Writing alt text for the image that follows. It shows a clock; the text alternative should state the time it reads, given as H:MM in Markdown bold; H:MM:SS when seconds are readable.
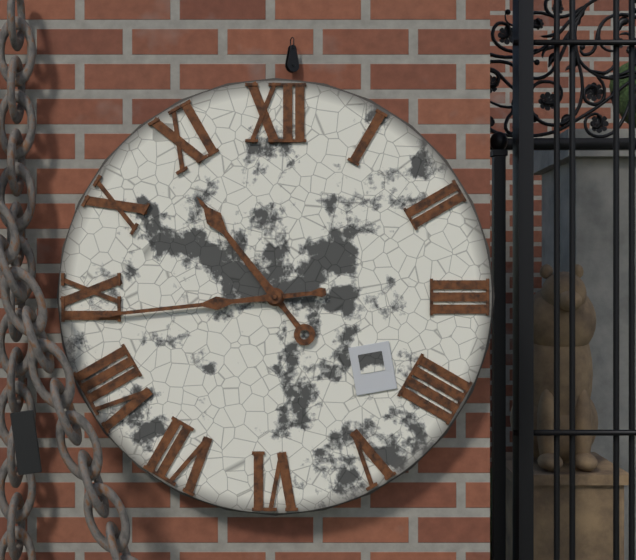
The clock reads **10:44**
